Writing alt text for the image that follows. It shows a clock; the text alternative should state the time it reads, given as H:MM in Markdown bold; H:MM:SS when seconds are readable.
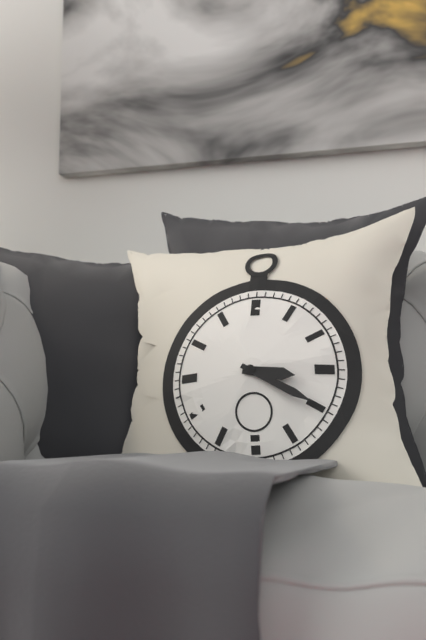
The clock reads **3:20**
